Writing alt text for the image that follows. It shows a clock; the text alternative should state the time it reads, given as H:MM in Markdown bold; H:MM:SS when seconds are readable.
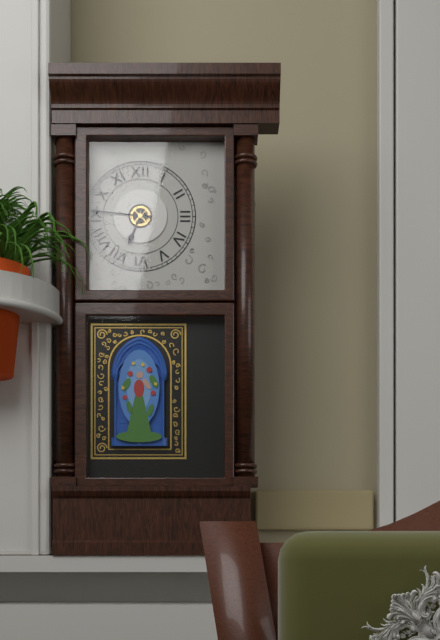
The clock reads **6:46**
